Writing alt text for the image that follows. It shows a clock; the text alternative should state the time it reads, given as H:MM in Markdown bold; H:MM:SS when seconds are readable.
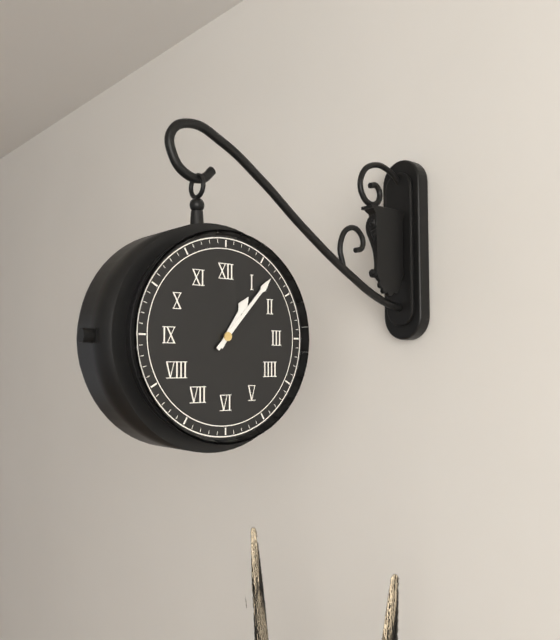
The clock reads **1:07**
